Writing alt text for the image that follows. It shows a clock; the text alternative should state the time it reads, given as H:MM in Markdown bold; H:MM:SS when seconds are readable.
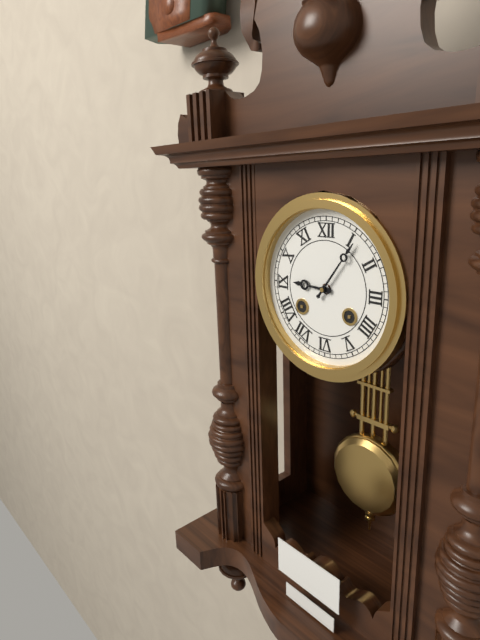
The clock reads **9:06**
